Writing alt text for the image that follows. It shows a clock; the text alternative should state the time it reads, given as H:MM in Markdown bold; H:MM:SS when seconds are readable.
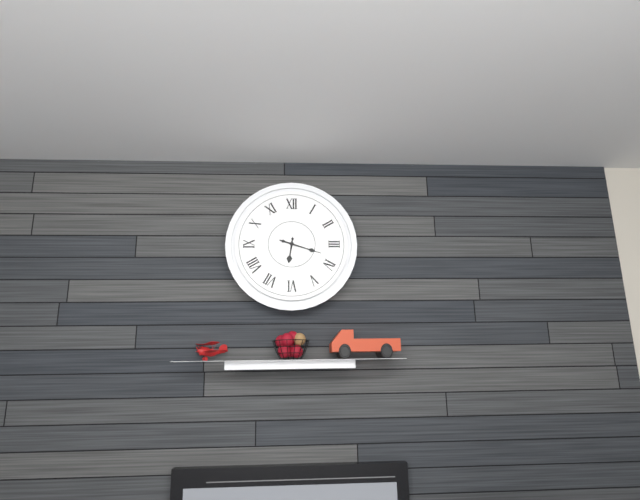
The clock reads **6:18**
